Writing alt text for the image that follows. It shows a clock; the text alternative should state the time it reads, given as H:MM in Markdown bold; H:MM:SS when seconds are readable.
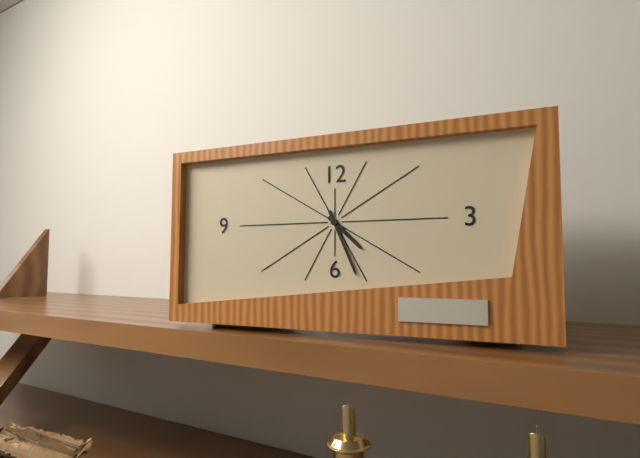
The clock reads **4:26**
